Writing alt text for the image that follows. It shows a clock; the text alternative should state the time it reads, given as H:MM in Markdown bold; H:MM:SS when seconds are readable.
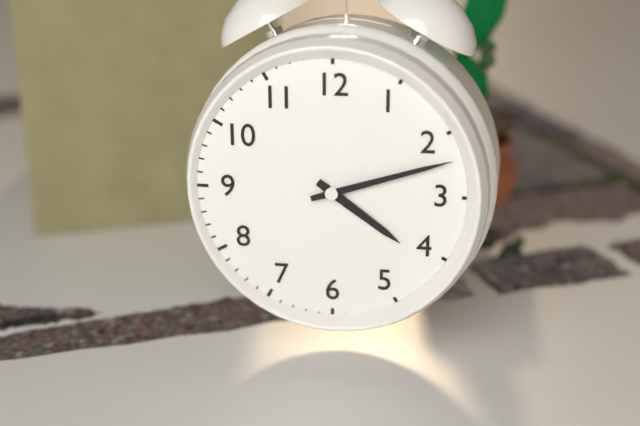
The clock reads **4:12**
